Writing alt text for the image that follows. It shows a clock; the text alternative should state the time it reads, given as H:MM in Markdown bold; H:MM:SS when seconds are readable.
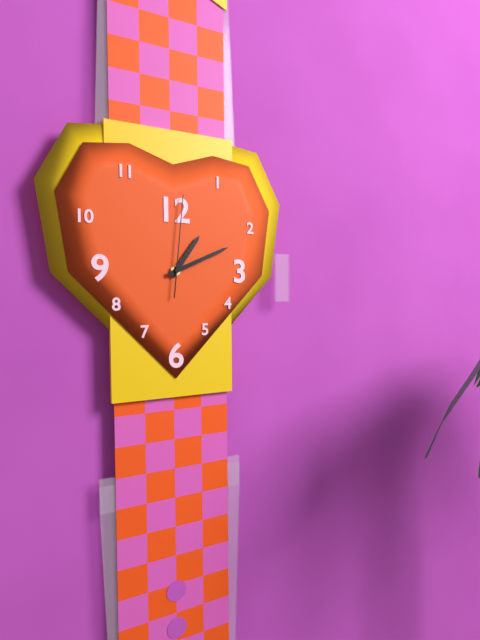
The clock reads **1:11:01**
